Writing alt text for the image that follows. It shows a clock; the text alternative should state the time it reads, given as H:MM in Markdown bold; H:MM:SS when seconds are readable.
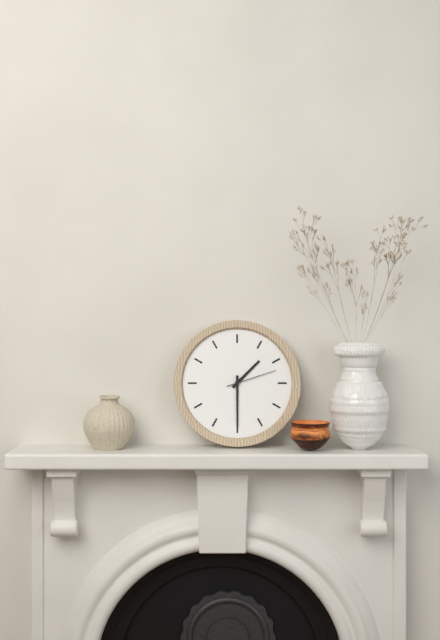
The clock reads **1:30:12**
